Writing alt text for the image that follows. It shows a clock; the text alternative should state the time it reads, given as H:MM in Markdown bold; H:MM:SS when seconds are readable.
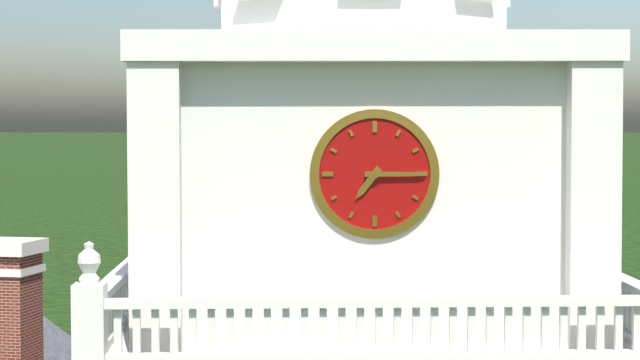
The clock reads **7:15**
